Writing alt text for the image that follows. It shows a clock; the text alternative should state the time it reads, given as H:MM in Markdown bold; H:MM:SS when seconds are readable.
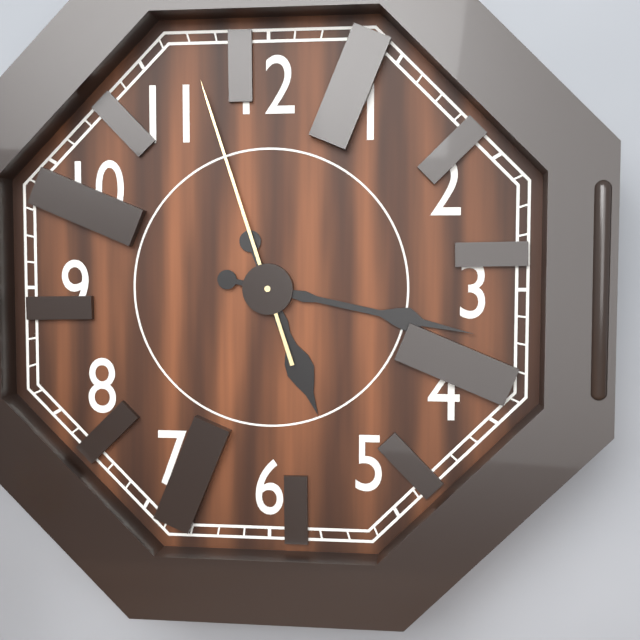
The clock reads **5:17:57**
